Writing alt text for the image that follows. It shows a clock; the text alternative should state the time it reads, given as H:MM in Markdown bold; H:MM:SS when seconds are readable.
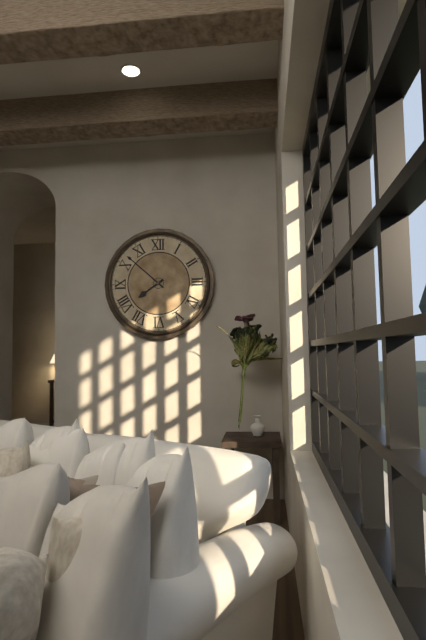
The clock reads **7:52**
